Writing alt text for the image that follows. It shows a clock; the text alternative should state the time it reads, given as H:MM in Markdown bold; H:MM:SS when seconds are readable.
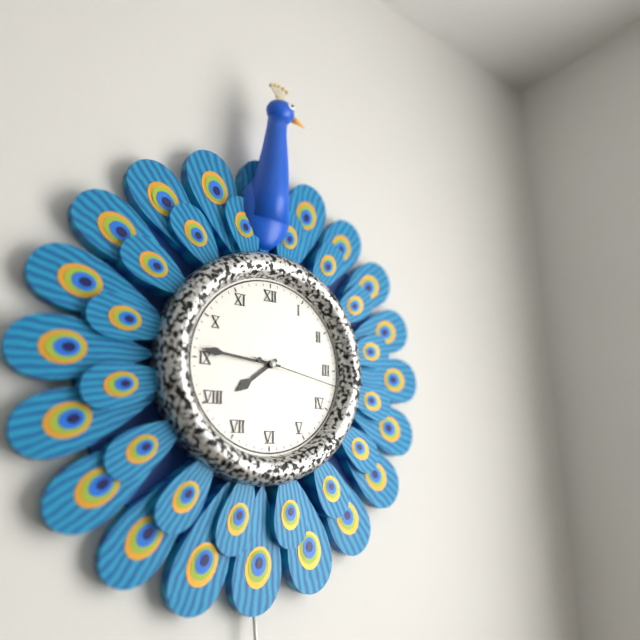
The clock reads **7:46:17**
